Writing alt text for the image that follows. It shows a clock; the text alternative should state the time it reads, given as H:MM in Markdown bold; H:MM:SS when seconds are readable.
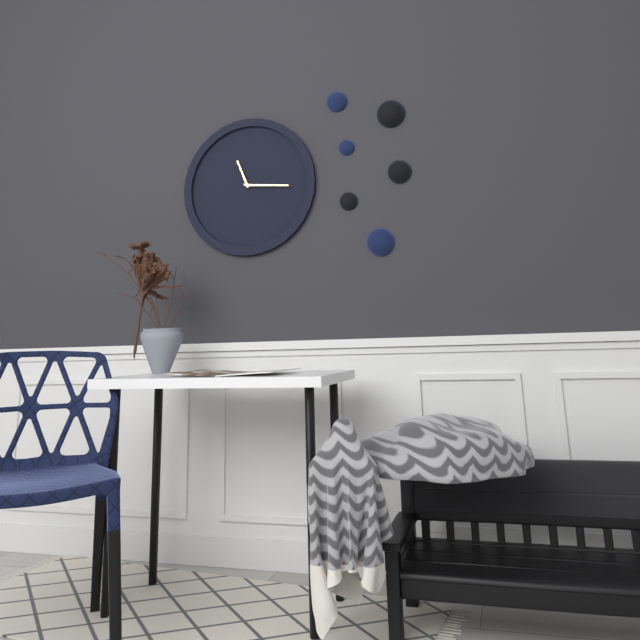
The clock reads **11:16**
